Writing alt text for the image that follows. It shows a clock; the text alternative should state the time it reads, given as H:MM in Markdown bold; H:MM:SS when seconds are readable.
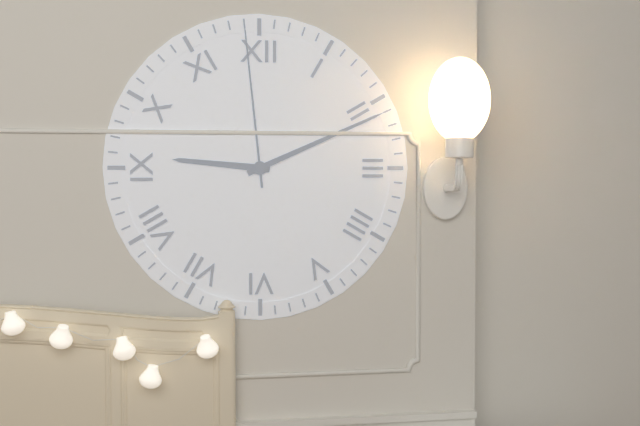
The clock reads **9:11:59**
